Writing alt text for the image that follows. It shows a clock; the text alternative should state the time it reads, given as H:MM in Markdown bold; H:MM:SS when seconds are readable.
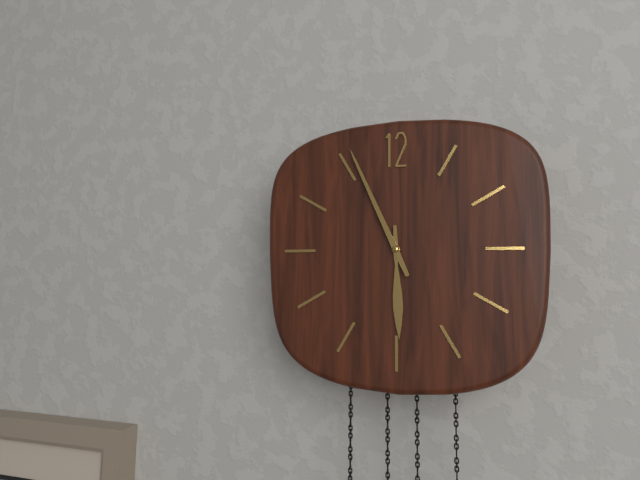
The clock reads **5:56**
